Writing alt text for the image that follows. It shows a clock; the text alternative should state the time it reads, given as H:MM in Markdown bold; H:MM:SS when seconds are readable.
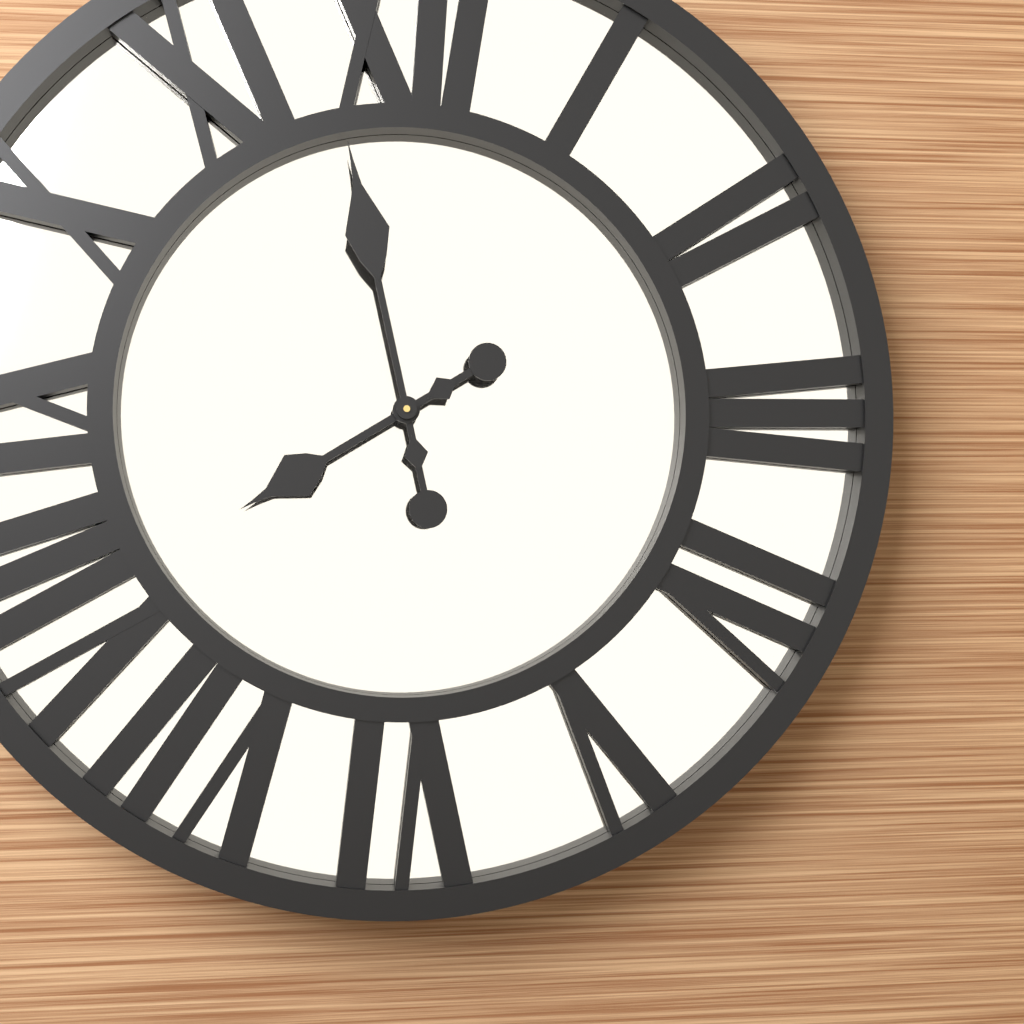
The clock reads **7:58**
